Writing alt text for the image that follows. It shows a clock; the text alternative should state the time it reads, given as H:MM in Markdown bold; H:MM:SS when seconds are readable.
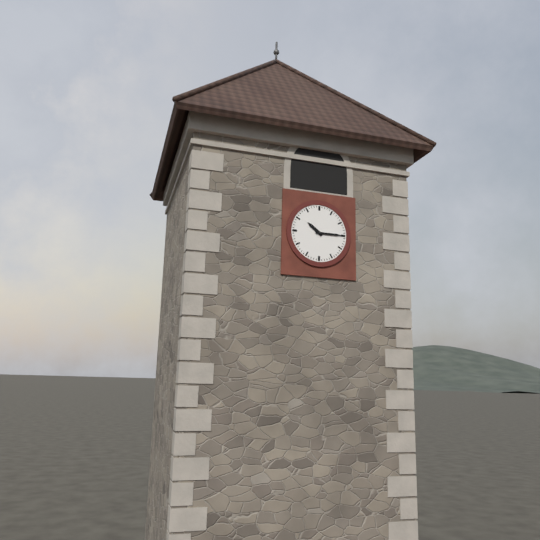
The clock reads **10:15**
